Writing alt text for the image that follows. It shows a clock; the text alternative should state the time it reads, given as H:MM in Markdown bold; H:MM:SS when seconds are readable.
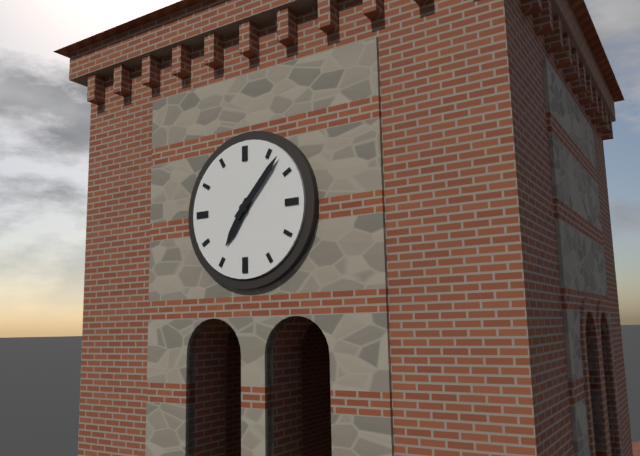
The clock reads **7:07**
